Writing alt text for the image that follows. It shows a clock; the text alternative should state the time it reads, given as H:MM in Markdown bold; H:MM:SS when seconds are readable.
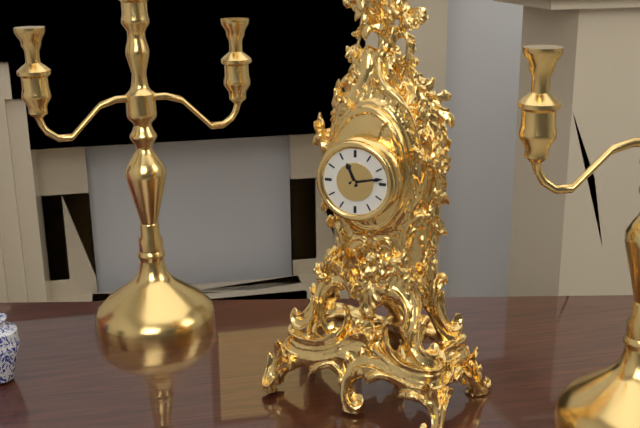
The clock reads **11:13**
